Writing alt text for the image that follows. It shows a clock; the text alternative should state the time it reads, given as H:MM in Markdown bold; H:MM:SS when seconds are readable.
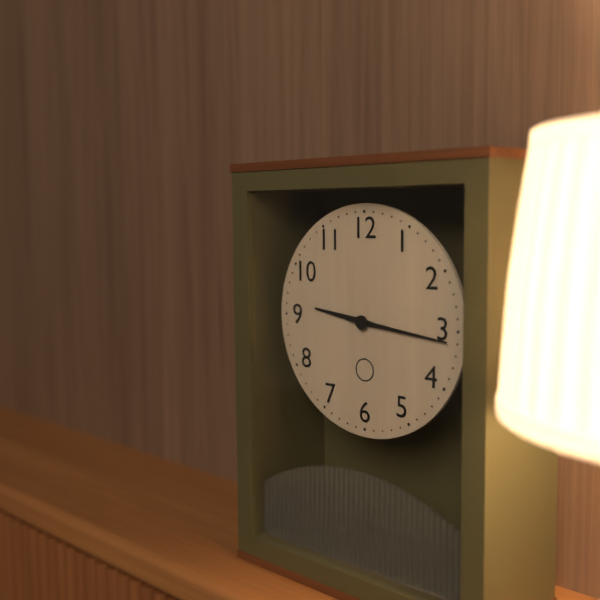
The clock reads **9:16**
